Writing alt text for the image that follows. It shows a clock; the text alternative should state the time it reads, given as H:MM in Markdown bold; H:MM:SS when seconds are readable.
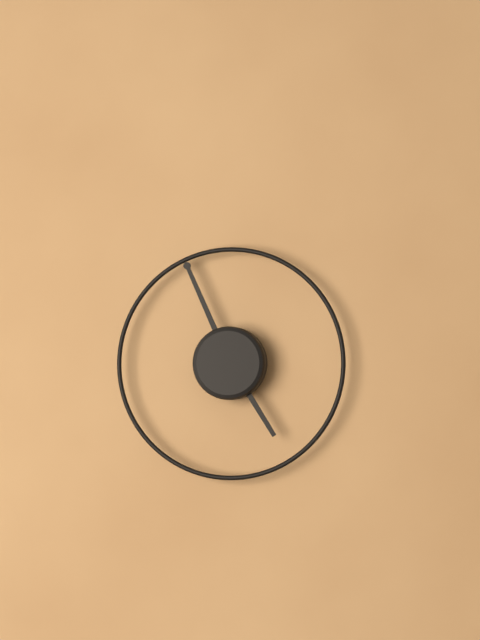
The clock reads **4:56**
